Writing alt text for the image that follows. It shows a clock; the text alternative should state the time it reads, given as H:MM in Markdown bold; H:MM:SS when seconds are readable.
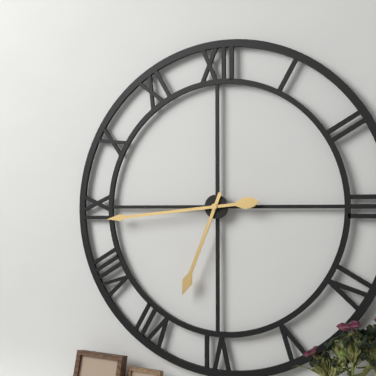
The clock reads **6:44**
